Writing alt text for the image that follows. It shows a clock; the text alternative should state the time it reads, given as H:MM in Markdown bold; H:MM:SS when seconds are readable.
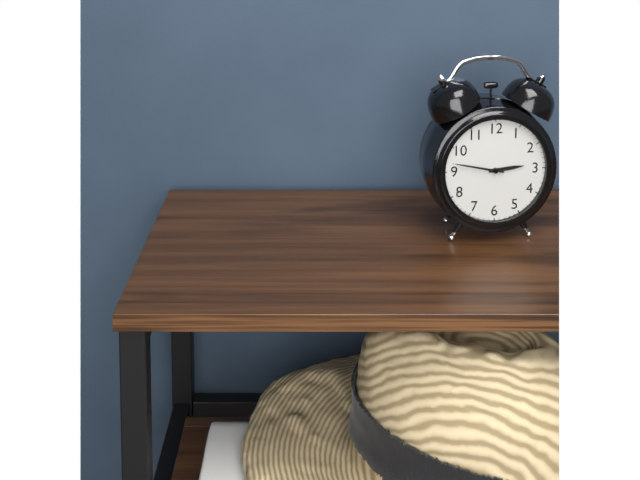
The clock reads **2:47**
